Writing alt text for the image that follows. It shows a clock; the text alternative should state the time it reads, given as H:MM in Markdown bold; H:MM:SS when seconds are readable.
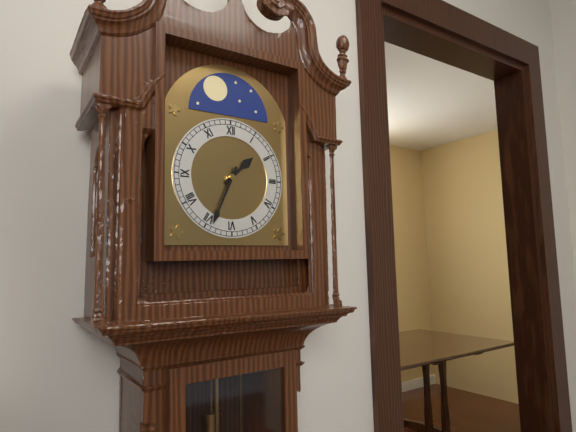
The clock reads **1:34**
